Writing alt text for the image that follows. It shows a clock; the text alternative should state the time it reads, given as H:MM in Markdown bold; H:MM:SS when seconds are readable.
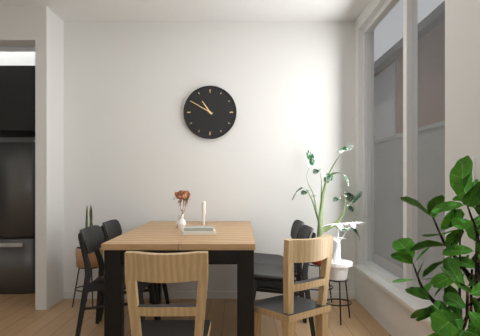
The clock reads **10:50**
